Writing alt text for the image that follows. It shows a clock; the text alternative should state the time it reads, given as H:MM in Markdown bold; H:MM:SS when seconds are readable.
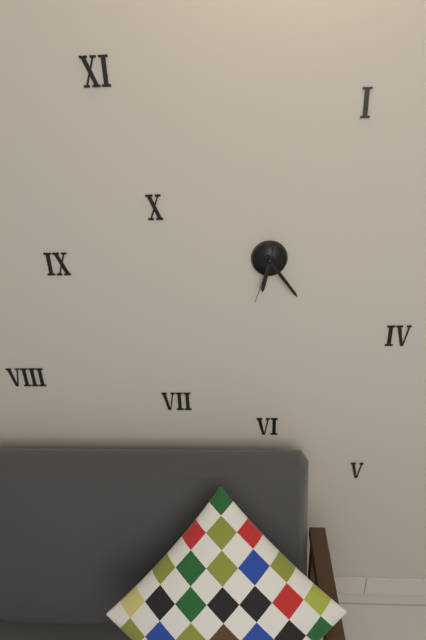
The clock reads **6:24:33**
